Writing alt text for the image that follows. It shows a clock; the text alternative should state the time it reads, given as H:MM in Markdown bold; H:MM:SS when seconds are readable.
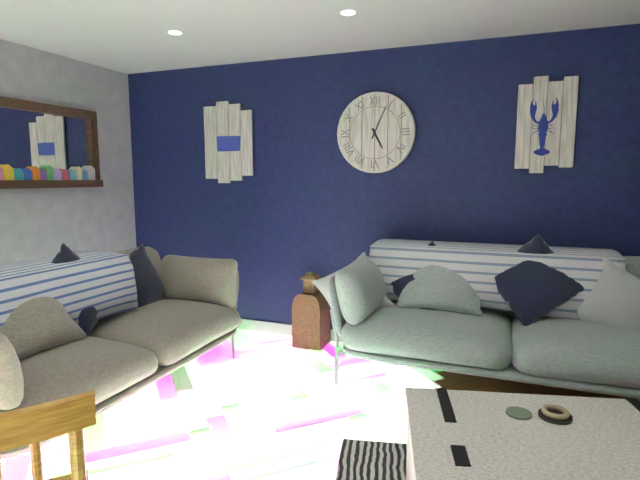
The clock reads **5:04**
